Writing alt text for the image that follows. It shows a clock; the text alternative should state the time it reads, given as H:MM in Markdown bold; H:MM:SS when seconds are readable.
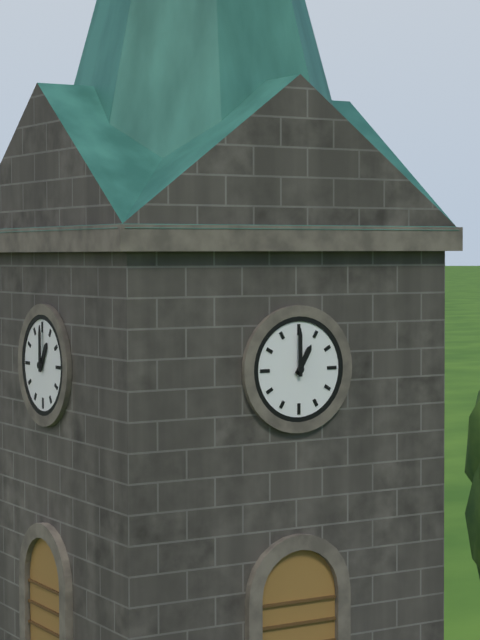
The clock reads **1:00**
